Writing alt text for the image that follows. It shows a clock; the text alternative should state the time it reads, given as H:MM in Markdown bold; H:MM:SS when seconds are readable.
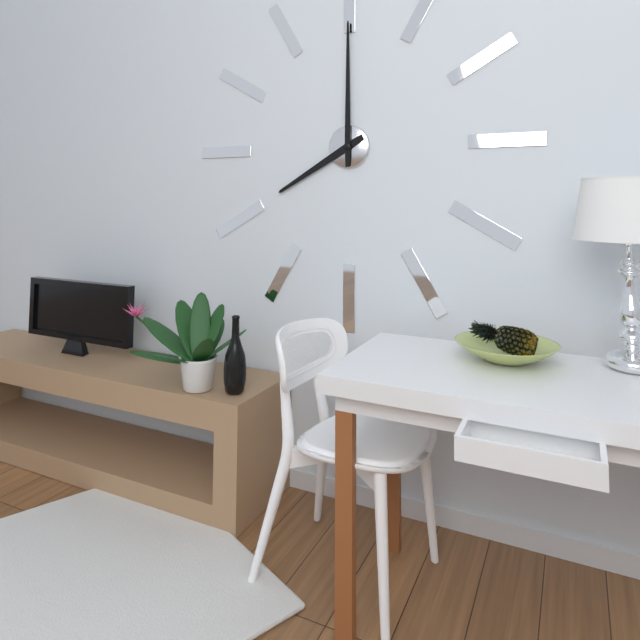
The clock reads **8:00**
